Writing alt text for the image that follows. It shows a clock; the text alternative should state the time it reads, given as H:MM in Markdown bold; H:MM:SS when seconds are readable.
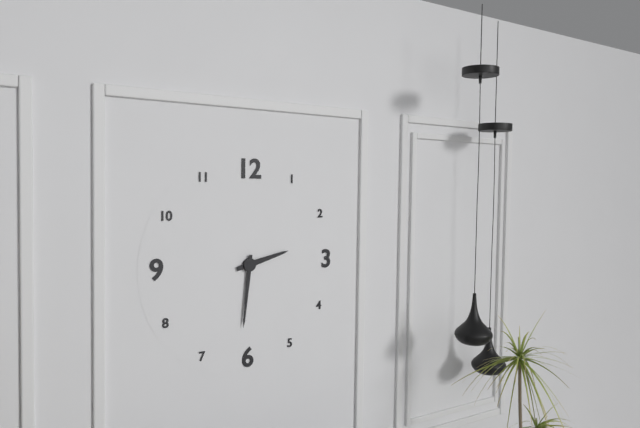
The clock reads **2:31**
